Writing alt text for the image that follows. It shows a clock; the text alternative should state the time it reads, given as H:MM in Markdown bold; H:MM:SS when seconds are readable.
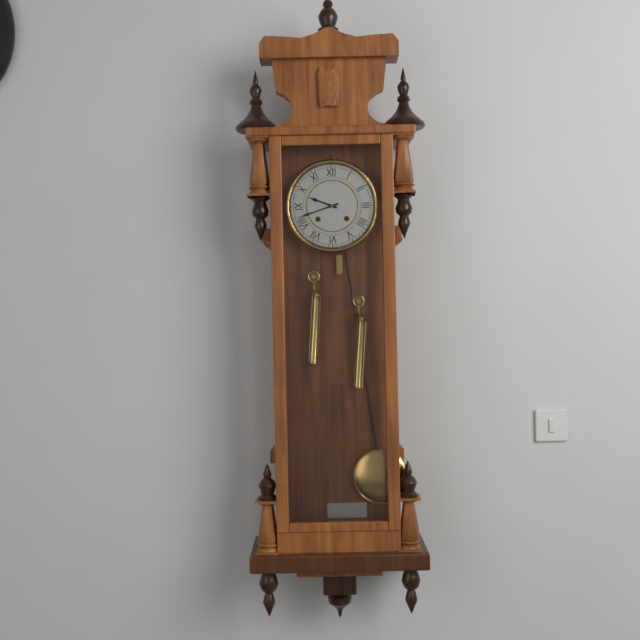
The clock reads **9:42**
